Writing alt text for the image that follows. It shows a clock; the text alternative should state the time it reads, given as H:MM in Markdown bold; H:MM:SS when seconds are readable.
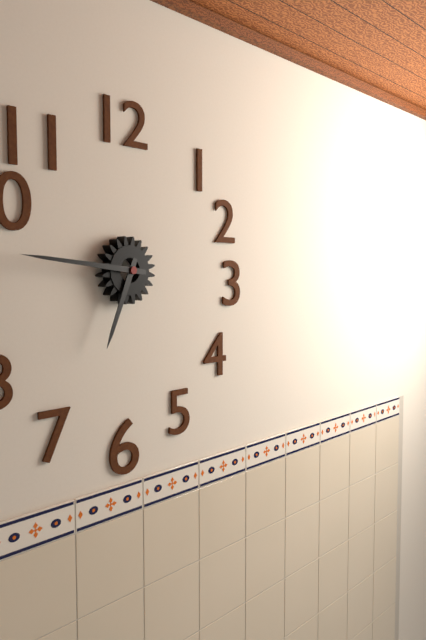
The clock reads **6:46**
